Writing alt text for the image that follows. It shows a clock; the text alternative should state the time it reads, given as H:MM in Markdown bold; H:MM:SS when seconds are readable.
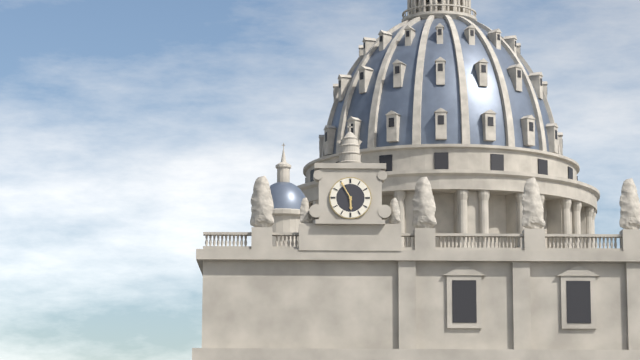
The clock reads **5:55**
